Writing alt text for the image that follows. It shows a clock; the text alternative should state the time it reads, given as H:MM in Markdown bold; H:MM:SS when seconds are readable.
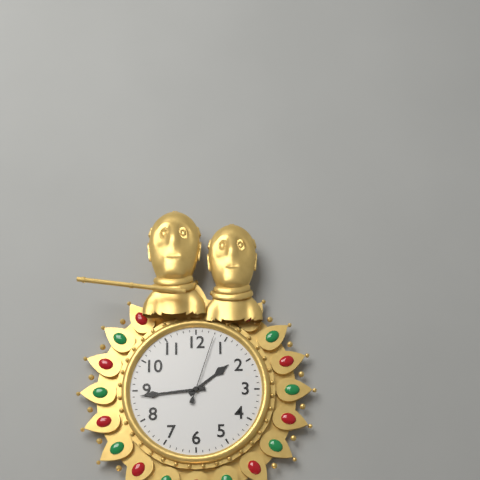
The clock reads **1:44:03**
